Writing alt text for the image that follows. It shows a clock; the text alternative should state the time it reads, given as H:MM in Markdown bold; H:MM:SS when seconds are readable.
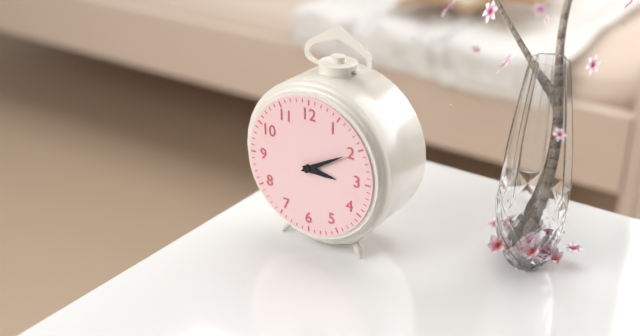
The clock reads **3:10**
